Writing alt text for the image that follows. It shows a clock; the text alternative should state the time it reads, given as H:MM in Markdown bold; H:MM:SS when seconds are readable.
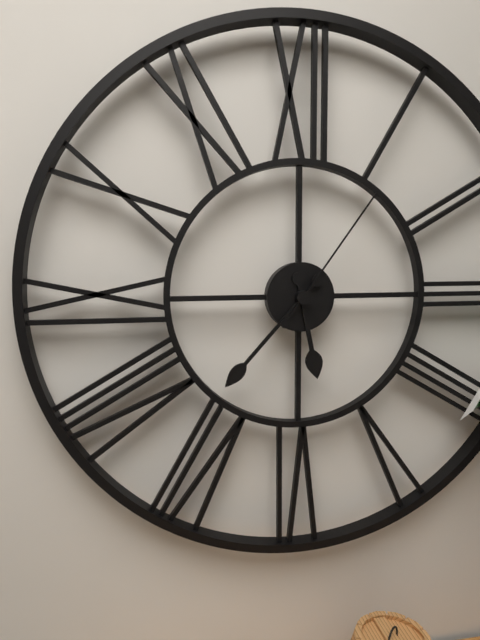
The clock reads **5:37:06**
